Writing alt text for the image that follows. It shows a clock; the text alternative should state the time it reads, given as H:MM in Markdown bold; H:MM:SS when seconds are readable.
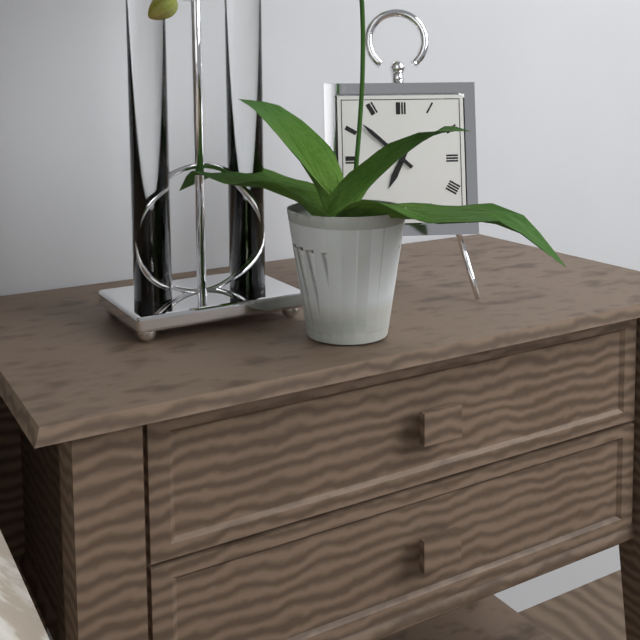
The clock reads **6:52**
